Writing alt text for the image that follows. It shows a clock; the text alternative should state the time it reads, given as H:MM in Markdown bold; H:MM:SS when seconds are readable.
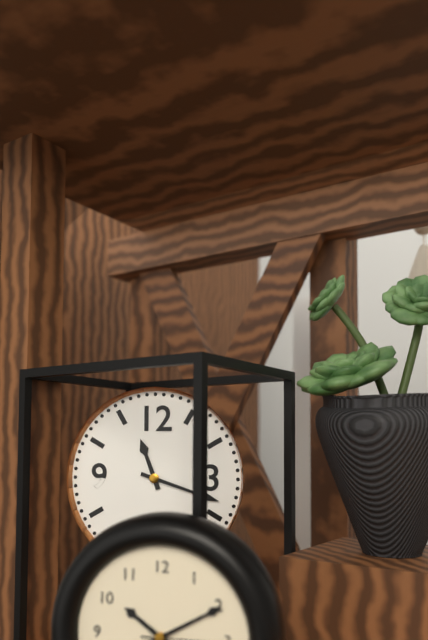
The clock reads **11:18**
